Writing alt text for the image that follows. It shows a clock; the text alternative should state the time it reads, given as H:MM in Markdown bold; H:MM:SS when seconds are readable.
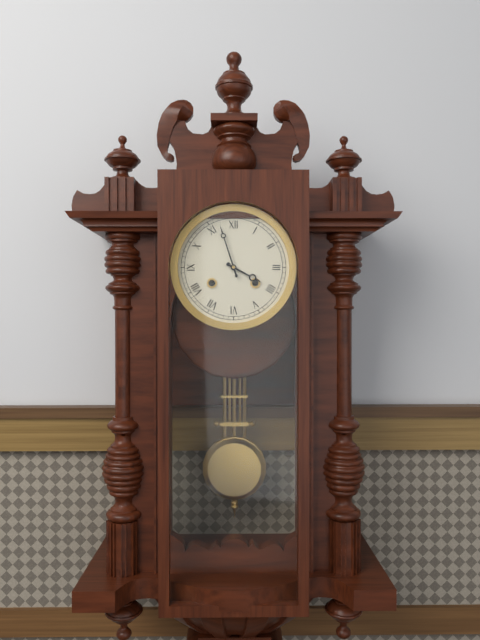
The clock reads **3:57**
